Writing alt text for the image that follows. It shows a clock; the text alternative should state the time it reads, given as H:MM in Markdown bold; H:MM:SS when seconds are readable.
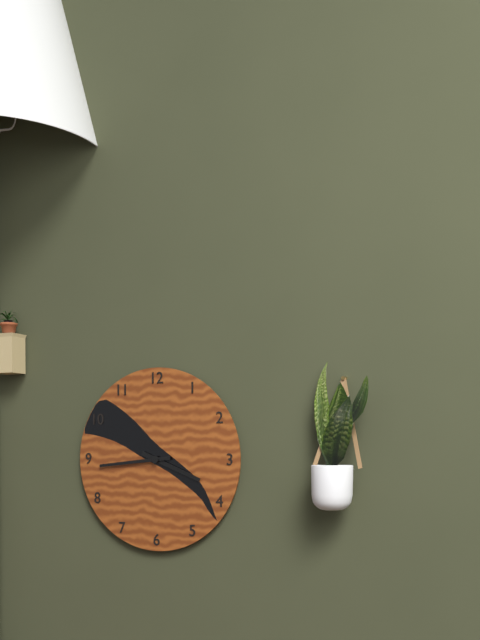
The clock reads **3:44**
